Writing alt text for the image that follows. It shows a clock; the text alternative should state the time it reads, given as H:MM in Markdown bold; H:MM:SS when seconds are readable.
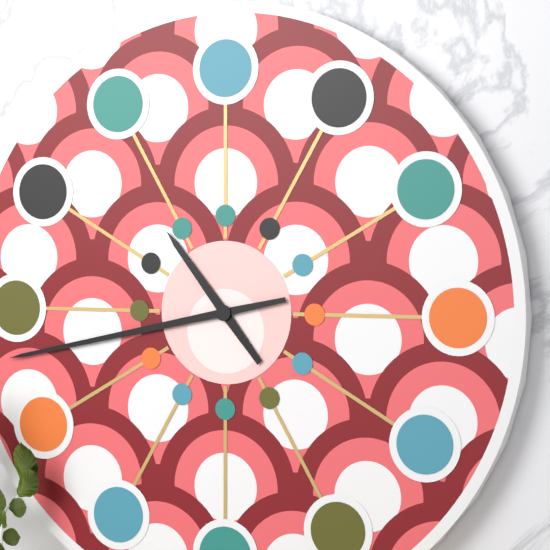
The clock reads **10:43**
